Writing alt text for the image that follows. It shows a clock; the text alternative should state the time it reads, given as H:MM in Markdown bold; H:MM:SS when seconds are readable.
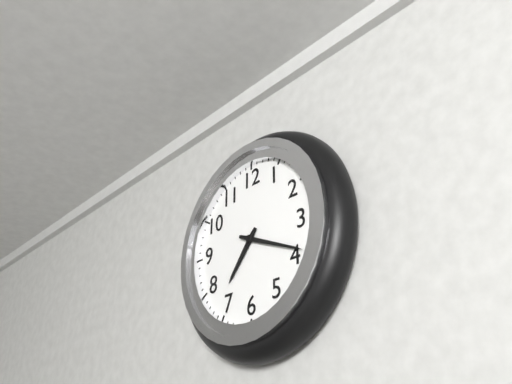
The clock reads **7:19**
